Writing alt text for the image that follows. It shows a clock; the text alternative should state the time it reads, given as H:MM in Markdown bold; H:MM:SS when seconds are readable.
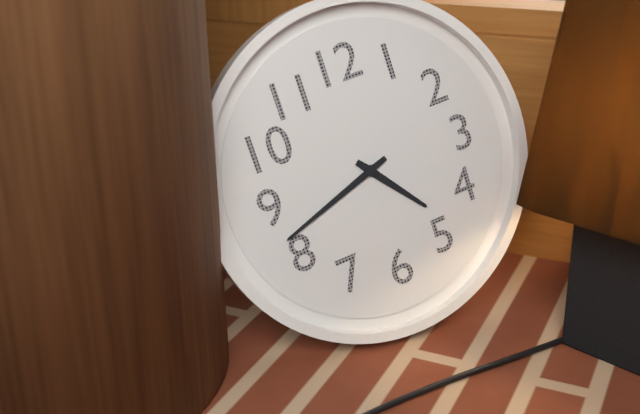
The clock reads **4:42**
